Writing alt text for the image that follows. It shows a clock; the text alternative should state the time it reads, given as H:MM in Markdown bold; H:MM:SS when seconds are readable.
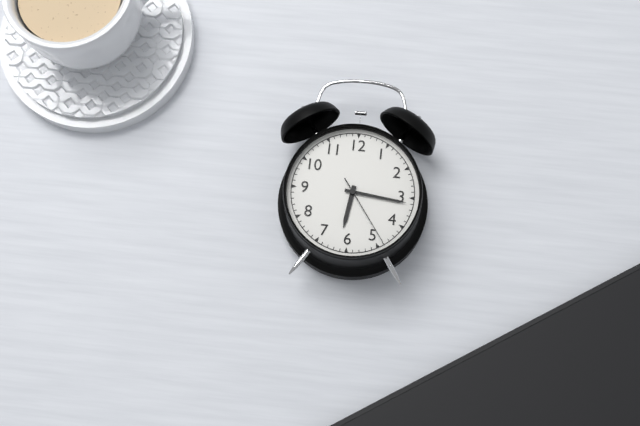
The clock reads **6:16:24**
